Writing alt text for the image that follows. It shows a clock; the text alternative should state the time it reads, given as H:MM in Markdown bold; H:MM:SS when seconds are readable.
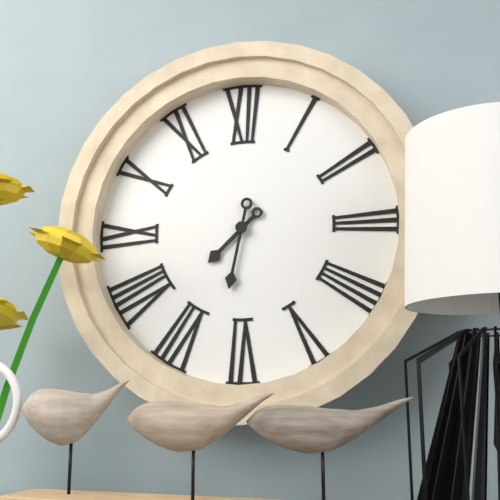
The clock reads **7:32**
